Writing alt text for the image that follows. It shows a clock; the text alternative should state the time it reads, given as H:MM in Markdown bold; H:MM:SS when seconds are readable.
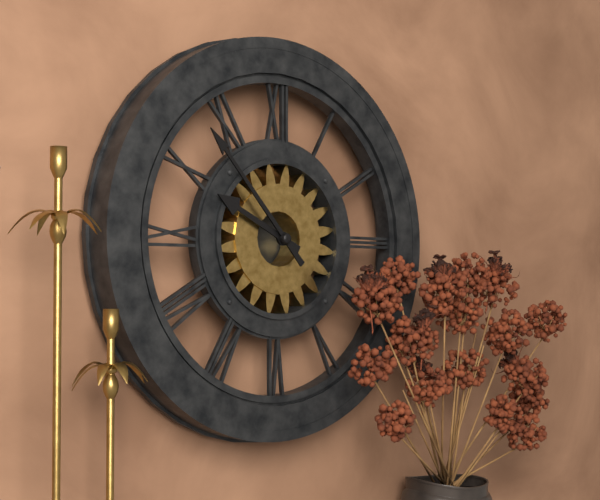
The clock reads **9:53**
